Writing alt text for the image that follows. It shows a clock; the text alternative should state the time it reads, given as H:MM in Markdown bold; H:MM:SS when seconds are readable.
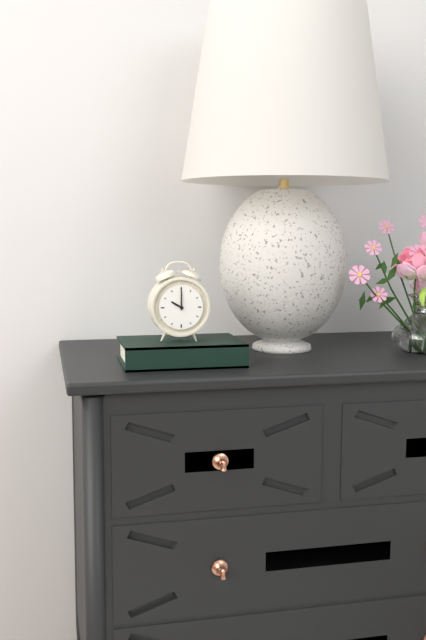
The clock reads **10:00**
